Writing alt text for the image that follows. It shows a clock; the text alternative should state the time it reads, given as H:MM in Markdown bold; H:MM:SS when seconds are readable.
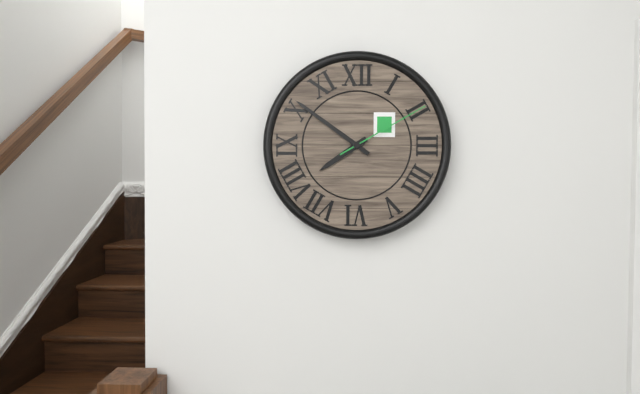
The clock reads **7:51:10**
